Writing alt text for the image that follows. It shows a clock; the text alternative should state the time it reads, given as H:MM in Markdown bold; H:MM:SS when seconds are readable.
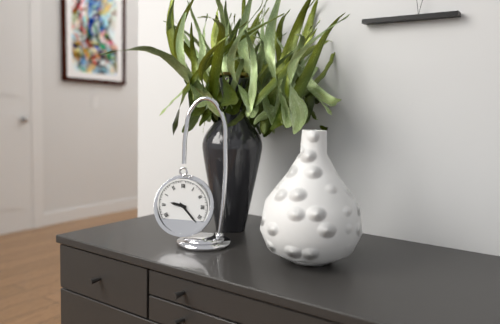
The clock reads **9:23**
